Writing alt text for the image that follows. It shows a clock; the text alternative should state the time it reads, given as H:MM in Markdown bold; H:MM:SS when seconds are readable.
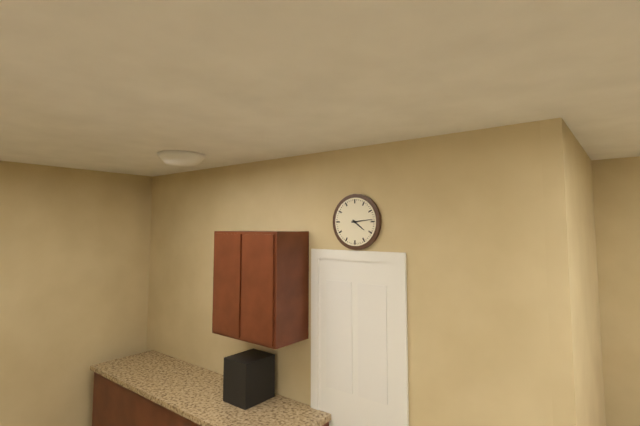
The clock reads **4:14**
